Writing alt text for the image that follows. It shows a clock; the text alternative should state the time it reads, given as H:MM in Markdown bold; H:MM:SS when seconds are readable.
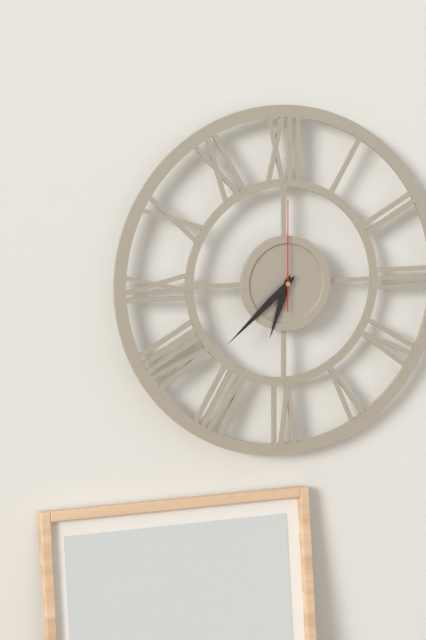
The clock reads **6:38:00**
